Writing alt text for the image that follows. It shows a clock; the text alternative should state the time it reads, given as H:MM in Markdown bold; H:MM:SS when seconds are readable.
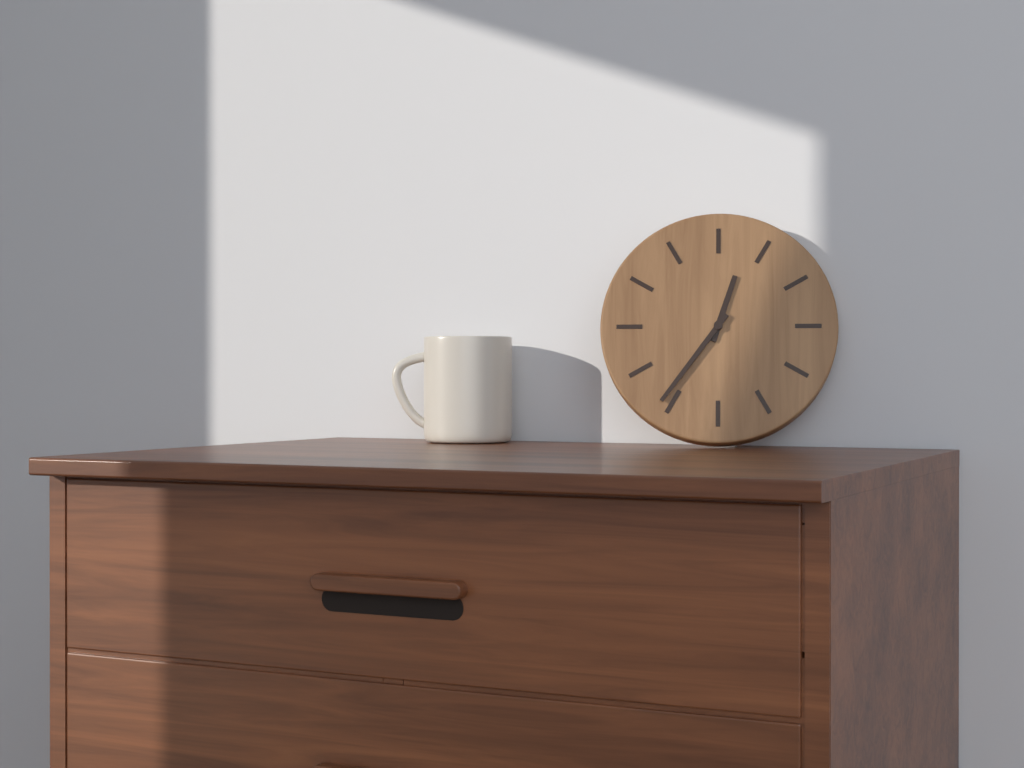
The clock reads **12:36**
